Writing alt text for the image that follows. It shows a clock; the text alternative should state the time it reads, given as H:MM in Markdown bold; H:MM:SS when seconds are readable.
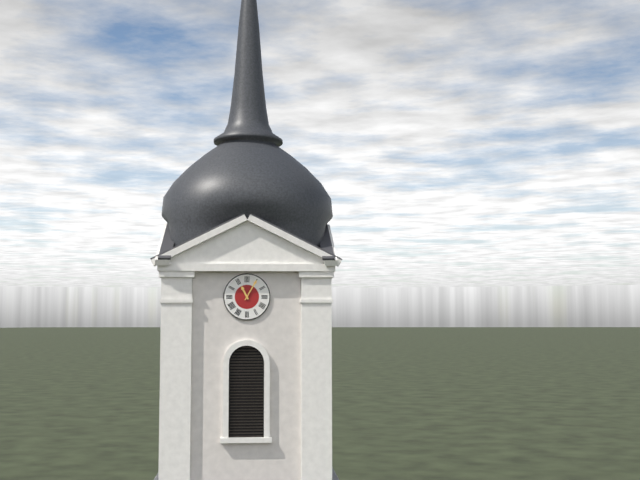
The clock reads **11:05**
